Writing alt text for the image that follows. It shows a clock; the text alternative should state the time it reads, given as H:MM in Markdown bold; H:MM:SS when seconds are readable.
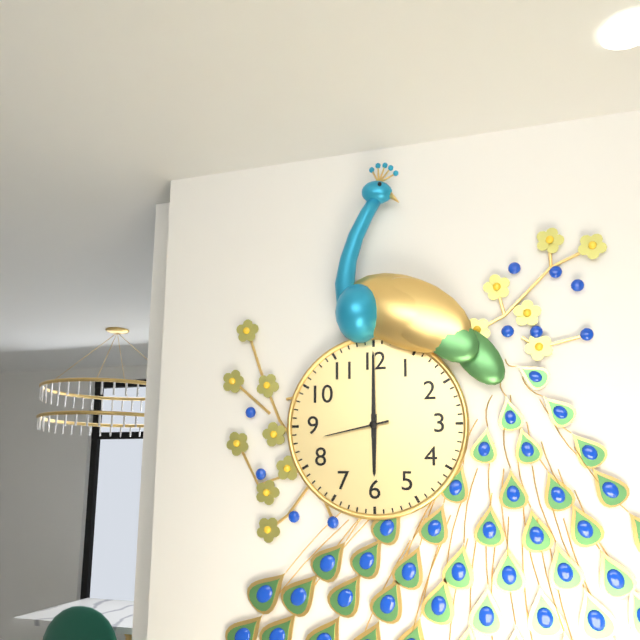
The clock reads **6:00:43**
